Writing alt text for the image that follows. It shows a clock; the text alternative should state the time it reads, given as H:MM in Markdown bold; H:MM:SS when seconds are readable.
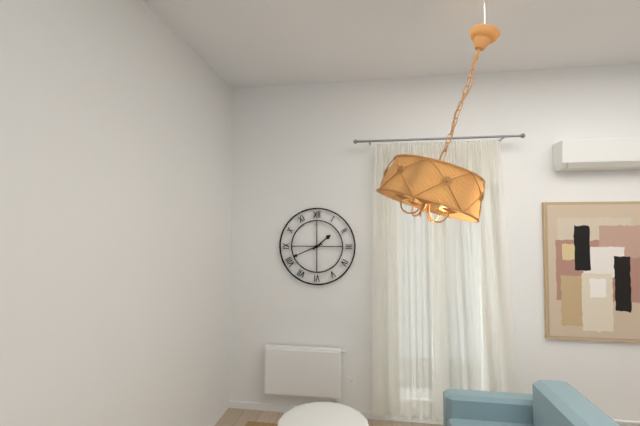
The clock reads **1:41**
